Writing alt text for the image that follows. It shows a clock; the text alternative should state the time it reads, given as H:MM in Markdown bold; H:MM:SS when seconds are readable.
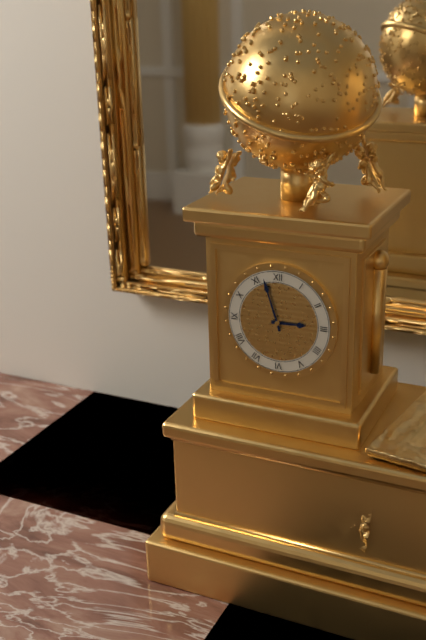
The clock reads **2:57**
